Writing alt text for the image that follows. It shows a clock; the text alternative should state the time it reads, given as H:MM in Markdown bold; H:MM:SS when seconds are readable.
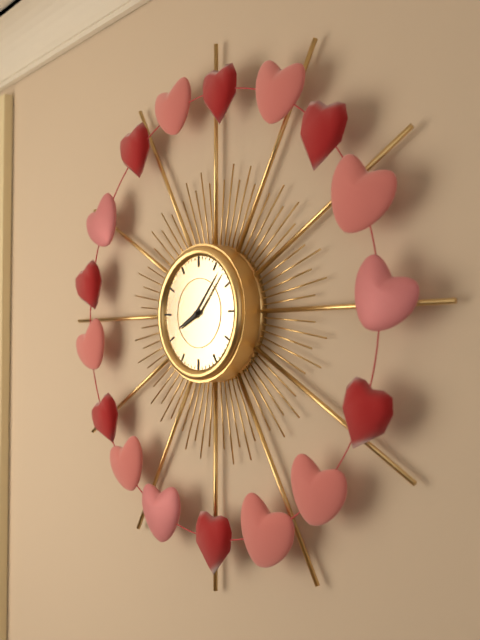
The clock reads **8:07**
